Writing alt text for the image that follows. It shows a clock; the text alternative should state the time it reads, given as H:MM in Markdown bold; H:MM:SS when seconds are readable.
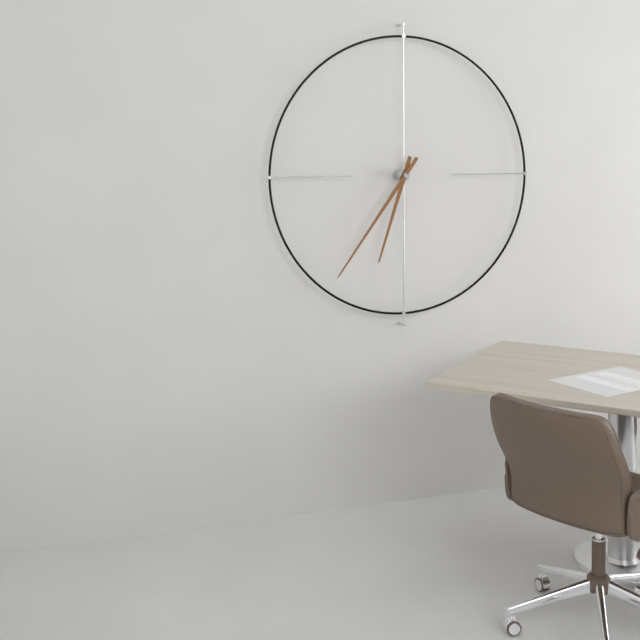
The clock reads **6:36**
